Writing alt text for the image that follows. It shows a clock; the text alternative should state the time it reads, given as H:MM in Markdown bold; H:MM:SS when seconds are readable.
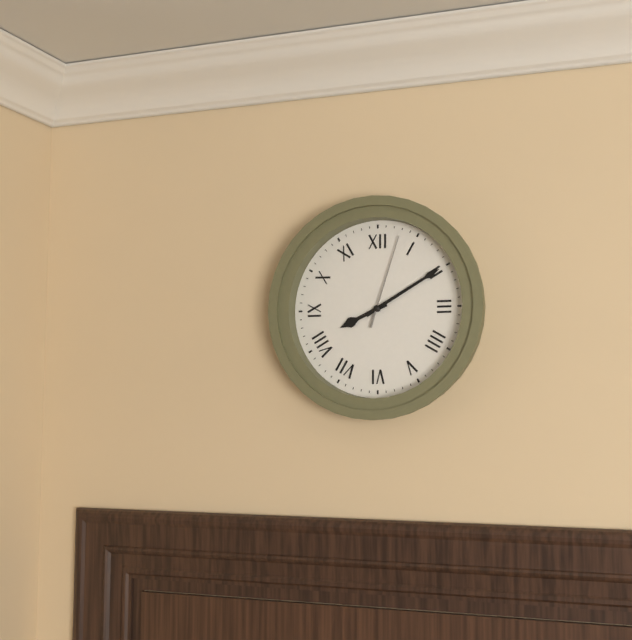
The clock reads **8:10:03**
